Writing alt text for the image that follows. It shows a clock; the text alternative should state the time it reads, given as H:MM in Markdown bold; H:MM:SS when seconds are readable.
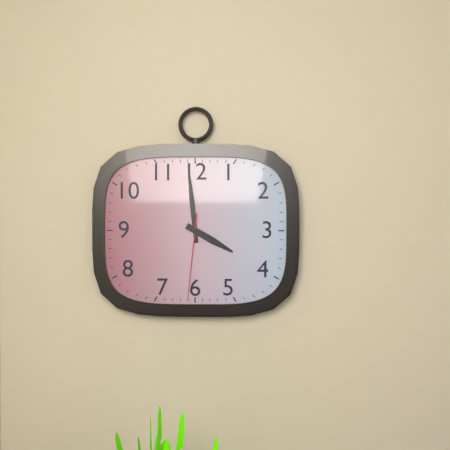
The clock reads **3:59:31**
